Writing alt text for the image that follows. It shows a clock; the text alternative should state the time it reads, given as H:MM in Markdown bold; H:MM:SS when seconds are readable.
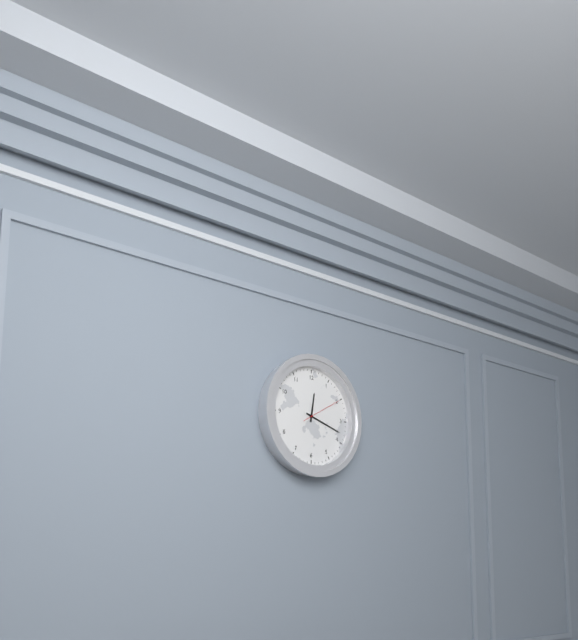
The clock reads **12:18**
